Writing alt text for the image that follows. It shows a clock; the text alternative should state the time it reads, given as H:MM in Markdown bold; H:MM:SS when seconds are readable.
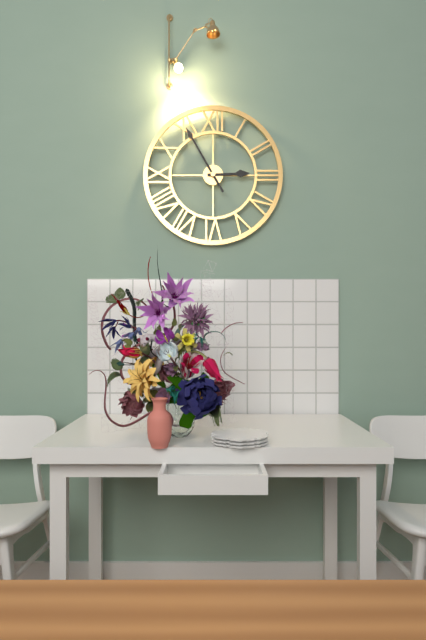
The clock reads **2:55**
